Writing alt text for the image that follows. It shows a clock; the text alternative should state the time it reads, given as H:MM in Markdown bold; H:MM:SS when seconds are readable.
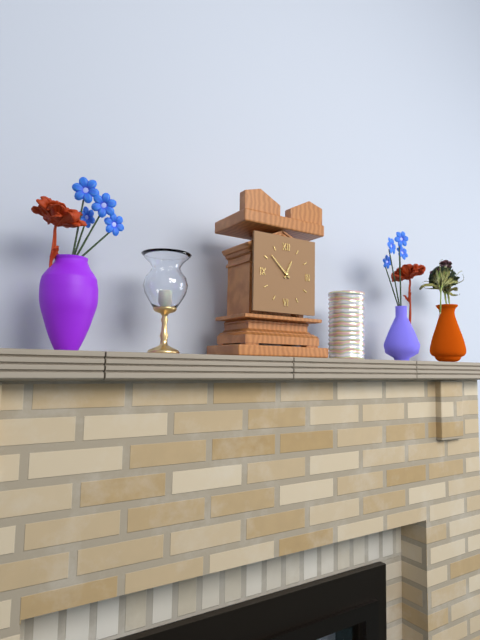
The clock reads **12:52**
